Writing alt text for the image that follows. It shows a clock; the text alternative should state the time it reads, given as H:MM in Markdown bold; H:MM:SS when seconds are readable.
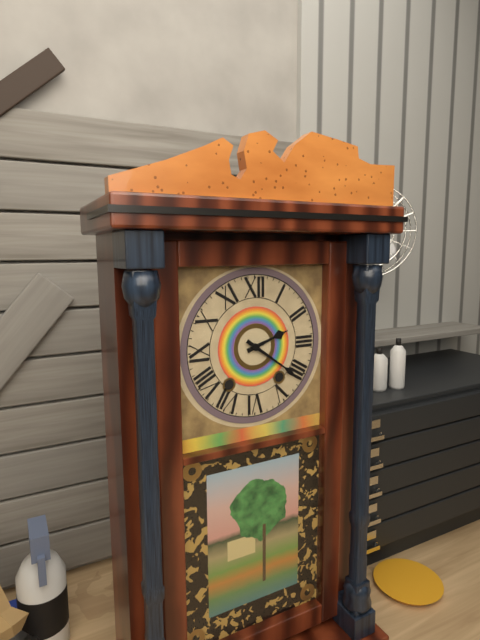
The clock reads **2:21**
